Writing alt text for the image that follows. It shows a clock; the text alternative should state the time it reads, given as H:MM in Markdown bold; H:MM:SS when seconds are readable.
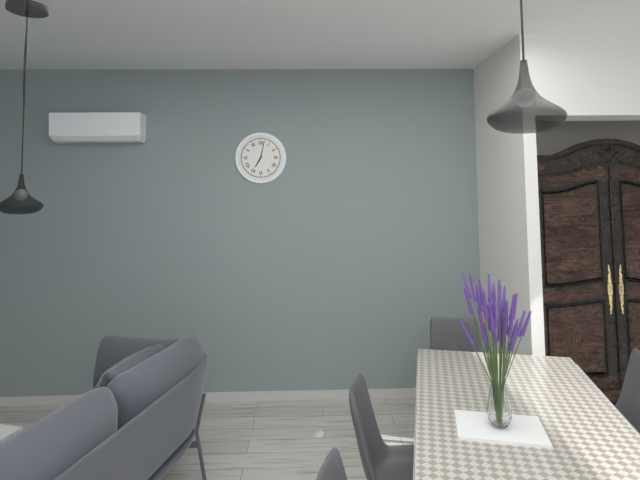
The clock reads **7:02**
